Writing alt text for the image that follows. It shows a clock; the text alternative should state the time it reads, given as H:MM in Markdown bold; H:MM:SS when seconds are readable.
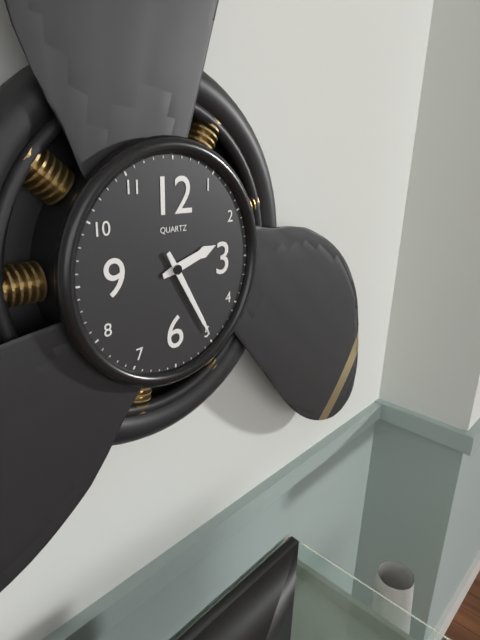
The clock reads **2:25**
